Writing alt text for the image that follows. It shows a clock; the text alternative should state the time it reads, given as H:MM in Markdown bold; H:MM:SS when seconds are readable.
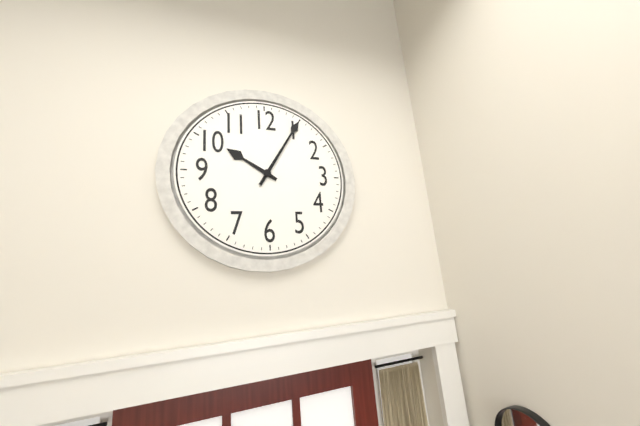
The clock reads **10:05**
